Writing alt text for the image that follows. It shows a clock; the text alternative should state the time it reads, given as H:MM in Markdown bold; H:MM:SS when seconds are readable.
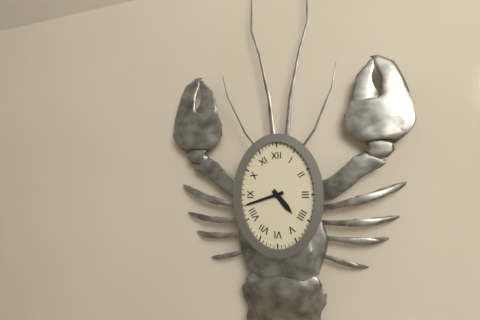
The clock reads **4:42**
